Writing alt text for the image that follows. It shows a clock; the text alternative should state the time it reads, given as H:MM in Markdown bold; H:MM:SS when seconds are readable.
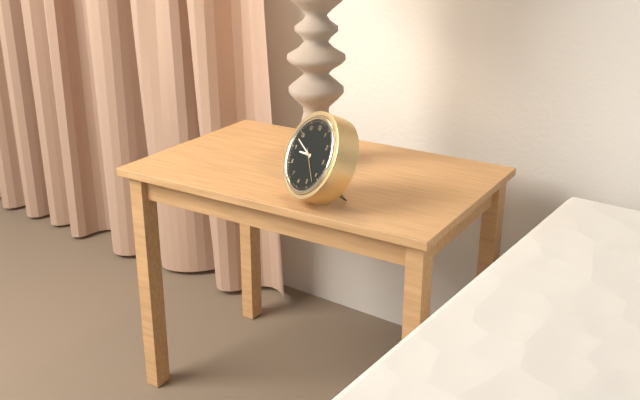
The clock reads **8:48**
